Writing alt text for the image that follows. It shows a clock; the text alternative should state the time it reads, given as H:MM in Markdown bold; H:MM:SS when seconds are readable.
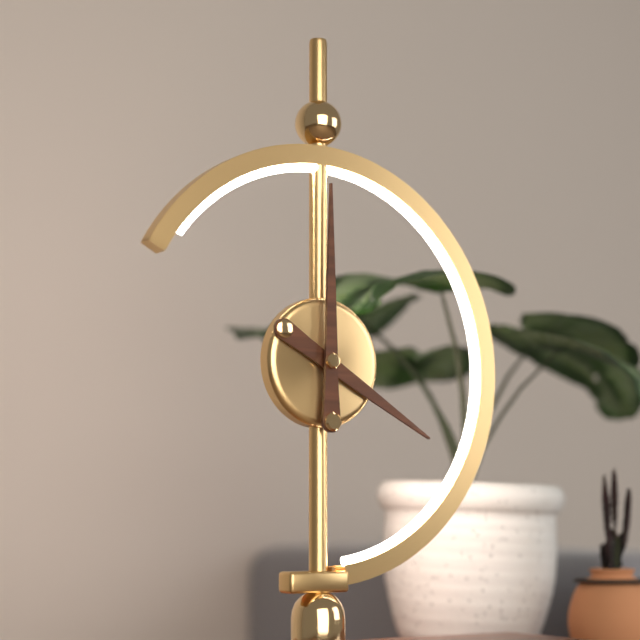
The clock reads **4:00**
